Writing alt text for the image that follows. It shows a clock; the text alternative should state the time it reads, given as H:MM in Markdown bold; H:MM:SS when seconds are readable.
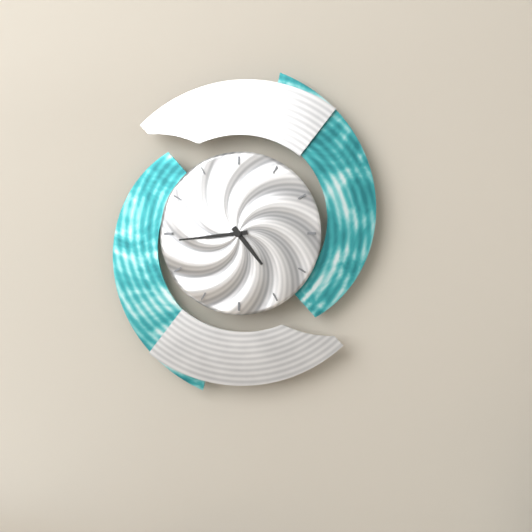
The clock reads **4:44**
